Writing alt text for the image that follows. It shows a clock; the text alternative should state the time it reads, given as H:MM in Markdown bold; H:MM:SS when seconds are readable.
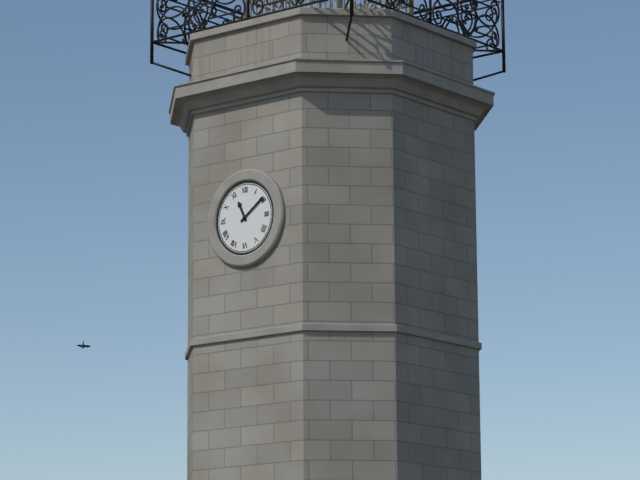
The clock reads **11:09**
